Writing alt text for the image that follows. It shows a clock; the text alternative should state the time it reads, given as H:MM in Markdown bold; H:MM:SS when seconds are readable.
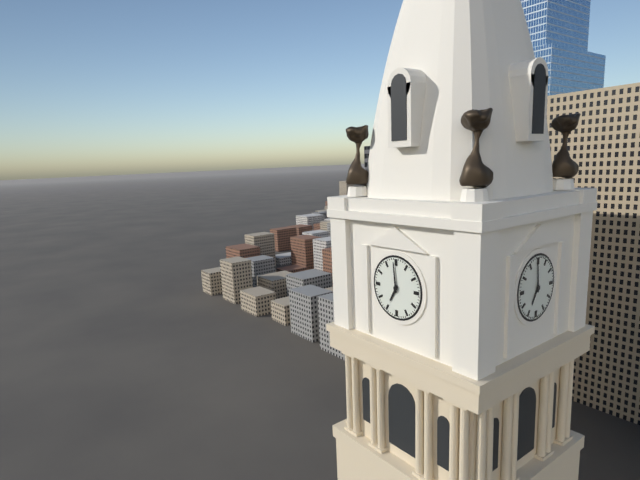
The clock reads **6:59**
